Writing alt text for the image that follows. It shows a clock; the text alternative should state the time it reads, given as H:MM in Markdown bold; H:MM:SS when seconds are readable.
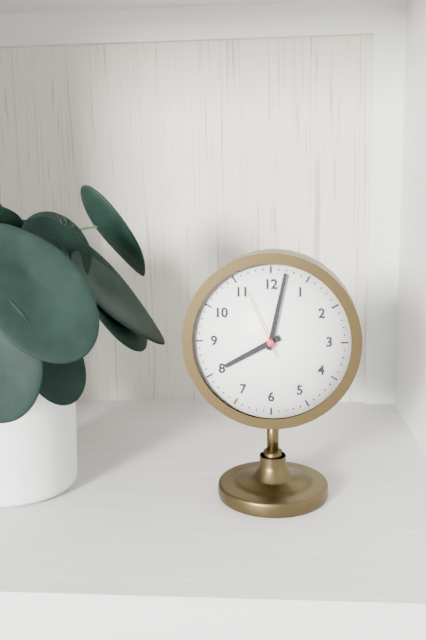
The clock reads **8:02:56**
